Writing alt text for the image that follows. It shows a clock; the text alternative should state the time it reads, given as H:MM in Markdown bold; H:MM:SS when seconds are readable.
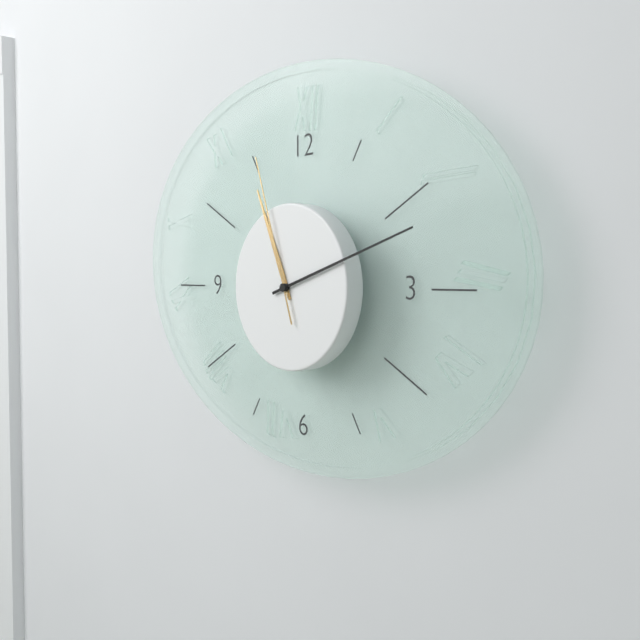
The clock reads **11:12:57**
